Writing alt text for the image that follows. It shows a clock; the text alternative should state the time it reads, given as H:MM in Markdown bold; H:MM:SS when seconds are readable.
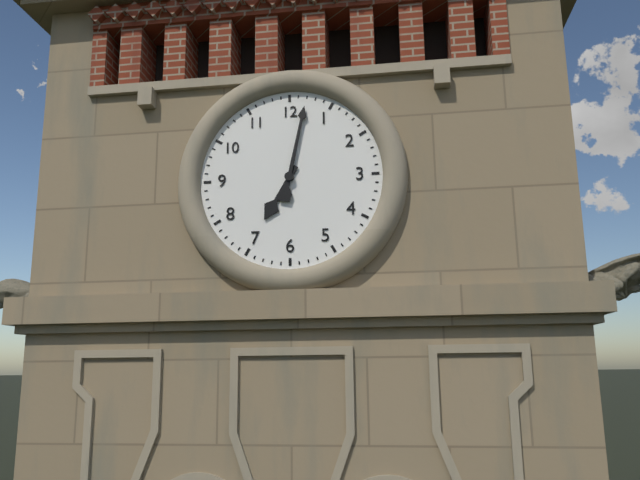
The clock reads **7:02**
